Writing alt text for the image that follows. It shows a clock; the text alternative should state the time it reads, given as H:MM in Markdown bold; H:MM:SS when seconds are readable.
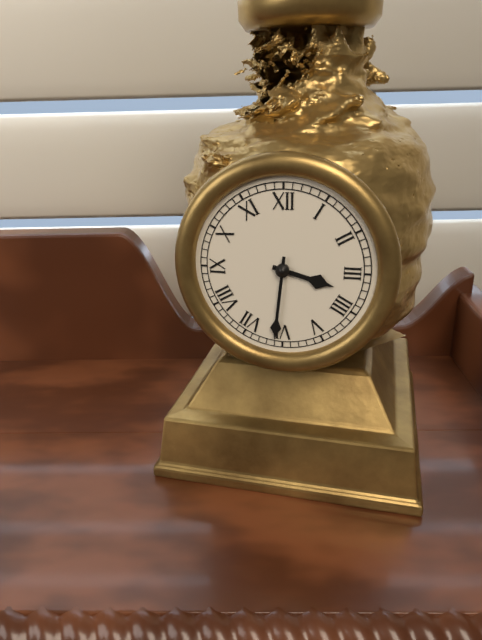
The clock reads **3:31**
